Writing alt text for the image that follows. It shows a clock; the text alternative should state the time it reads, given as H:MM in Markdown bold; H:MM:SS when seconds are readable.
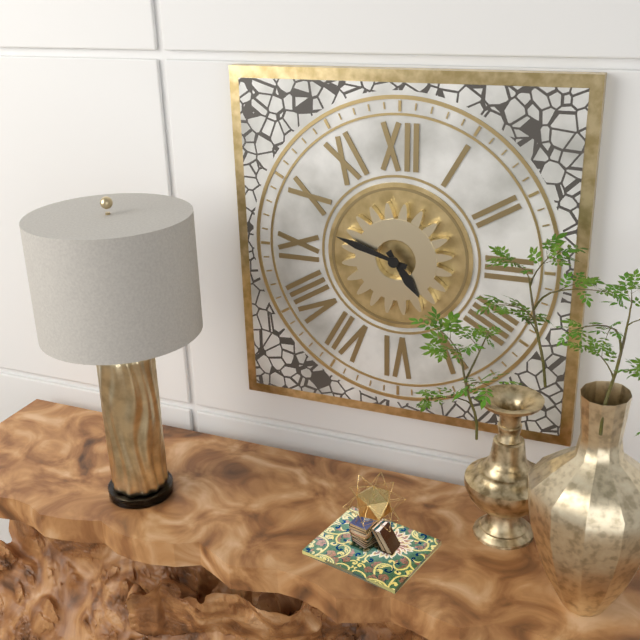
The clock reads **4:48**
